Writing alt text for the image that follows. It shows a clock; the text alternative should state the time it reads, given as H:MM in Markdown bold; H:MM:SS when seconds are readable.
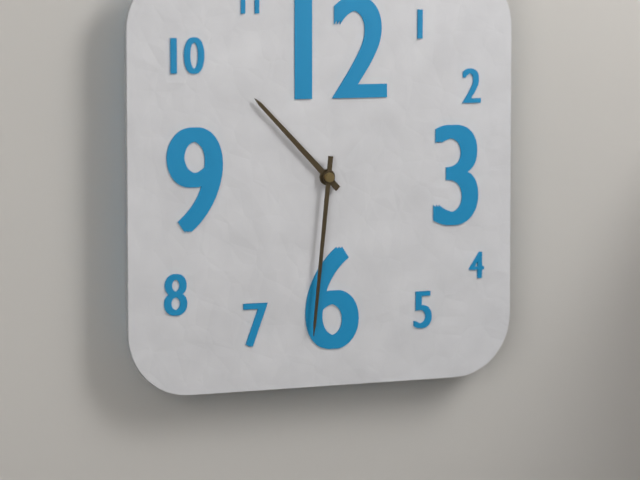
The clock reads **10:31**
